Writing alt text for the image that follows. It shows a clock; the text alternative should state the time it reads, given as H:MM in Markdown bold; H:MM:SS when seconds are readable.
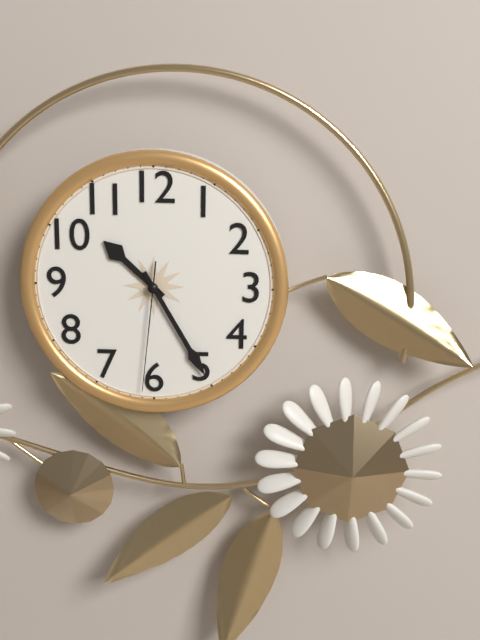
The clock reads **10:25:31**
